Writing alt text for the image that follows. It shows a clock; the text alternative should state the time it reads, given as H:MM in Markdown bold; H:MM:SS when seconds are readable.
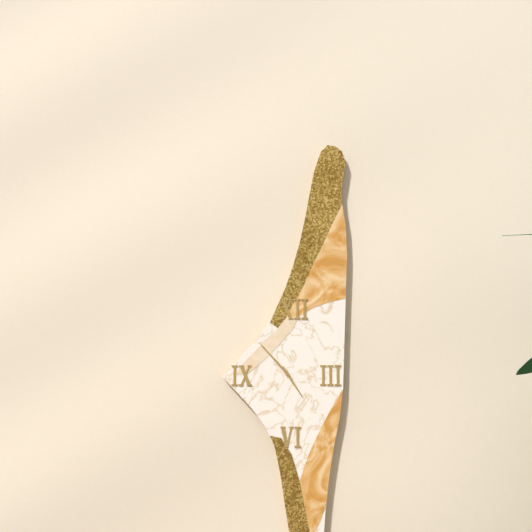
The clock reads **4:53**
